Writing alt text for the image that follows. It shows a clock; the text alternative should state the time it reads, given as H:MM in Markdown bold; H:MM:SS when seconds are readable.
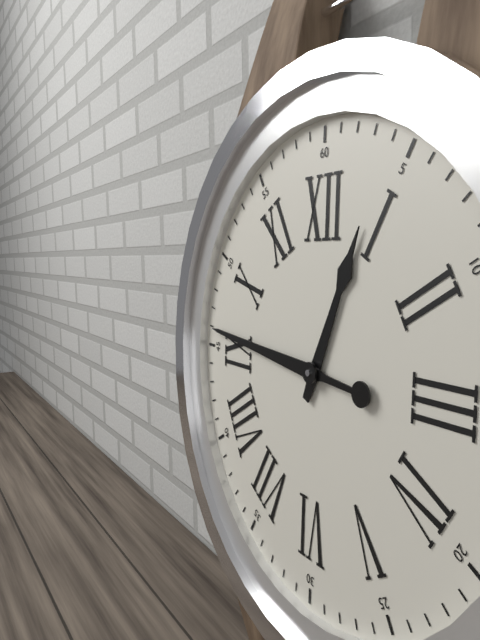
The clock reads **12:46**
